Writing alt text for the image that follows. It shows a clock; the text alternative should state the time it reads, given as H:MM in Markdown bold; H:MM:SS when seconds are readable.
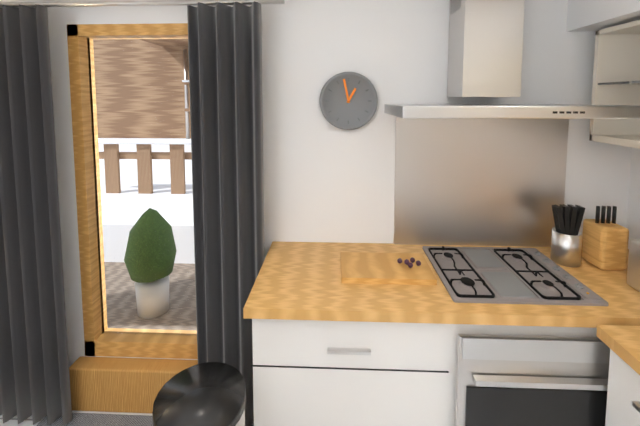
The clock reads **12:58**
